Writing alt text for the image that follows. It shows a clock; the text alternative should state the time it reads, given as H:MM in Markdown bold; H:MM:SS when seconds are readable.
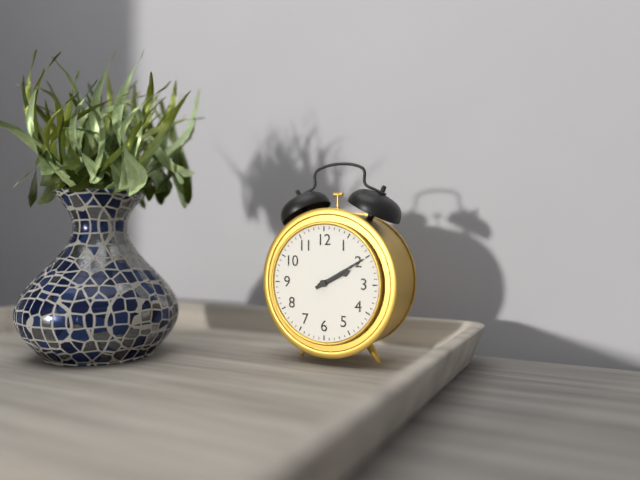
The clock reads **2:10**
